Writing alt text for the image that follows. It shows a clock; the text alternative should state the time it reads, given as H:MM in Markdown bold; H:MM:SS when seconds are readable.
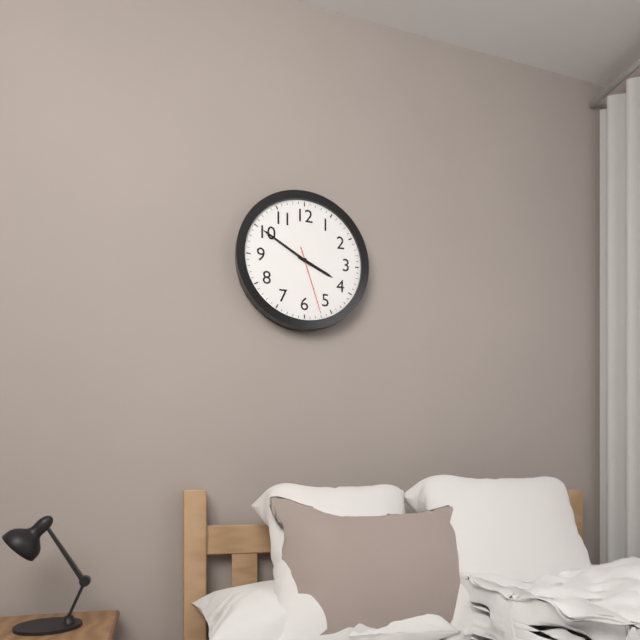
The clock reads **3:50:27**
